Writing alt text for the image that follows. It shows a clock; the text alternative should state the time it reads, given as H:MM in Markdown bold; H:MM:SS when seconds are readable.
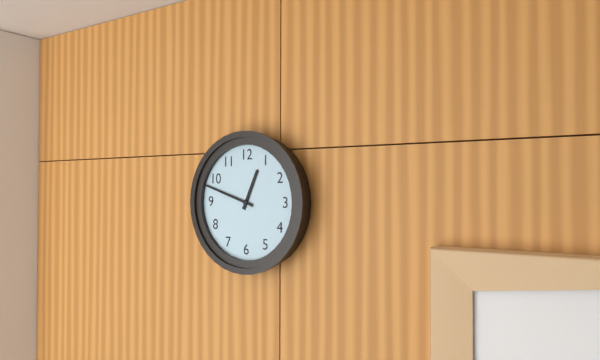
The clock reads **12:48**
